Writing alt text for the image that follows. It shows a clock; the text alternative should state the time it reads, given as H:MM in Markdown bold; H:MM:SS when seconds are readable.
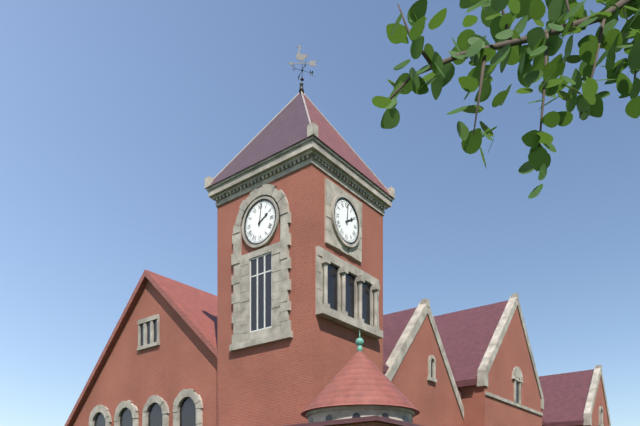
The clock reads **2:01**
